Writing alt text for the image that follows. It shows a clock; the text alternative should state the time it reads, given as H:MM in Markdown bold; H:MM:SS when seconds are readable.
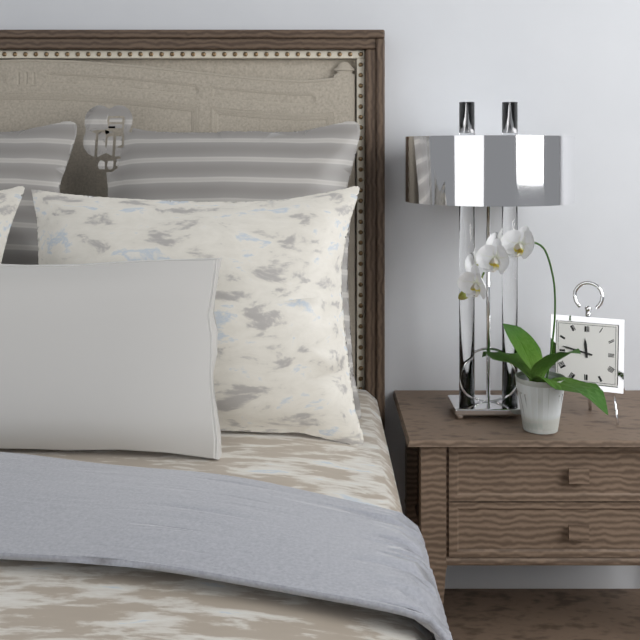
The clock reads **11:47**
